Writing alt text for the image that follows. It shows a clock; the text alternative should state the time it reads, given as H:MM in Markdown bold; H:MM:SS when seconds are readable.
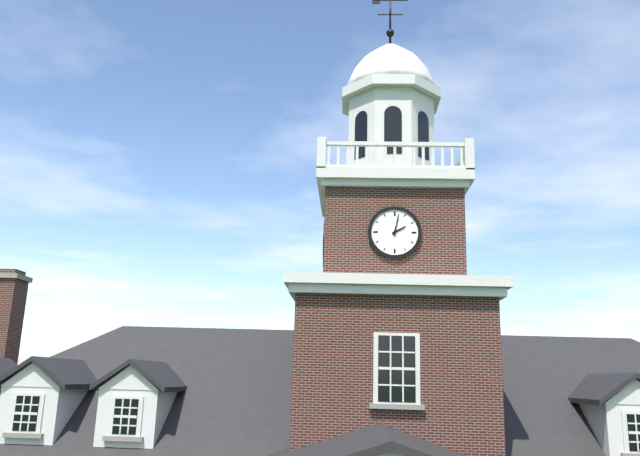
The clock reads **2:02**
